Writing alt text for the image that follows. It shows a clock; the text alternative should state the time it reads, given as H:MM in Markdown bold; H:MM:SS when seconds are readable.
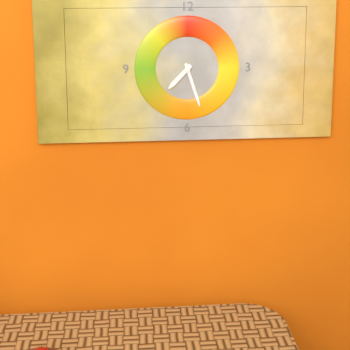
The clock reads **7:27**
